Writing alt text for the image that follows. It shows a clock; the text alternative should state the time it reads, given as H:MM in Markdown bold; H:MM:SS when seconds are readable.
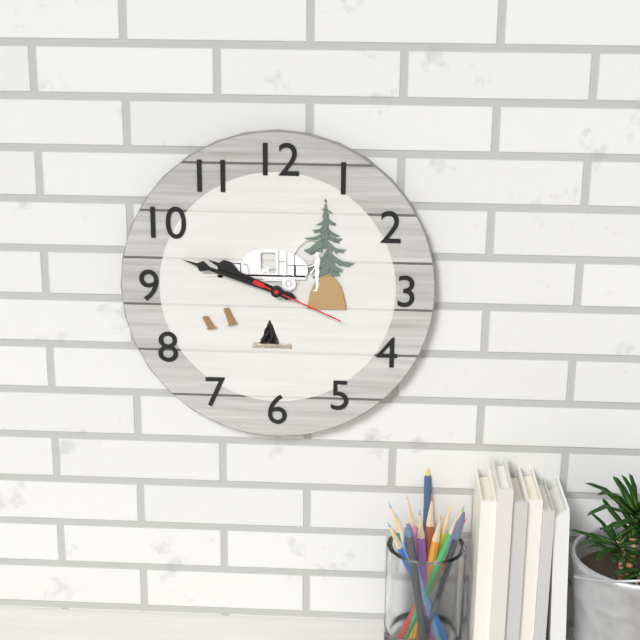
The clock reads **9:48:19**
